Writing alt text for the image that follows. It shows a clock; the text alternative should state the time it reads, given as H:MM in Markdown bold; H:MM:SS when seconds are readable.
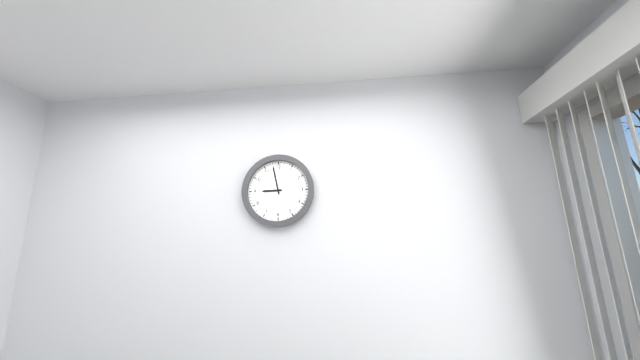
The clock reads **8:58**
